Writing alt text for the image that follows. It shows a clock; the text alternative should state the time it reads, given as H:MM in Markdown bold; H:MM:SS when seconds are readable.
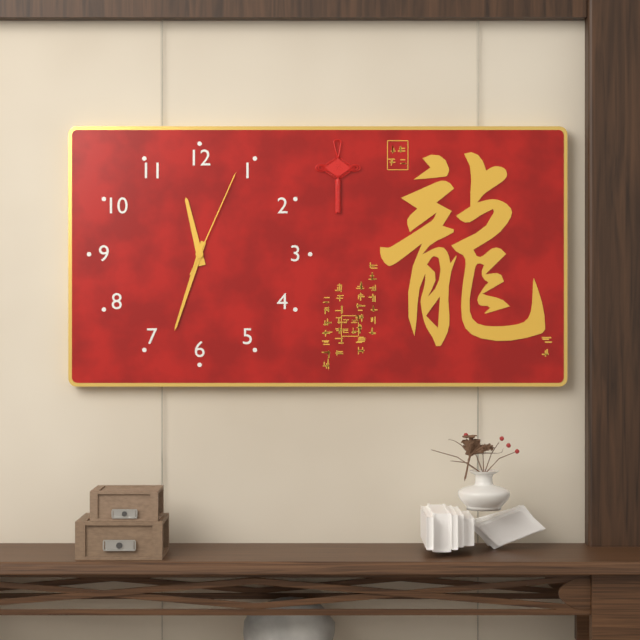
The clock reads **11:33:04**
